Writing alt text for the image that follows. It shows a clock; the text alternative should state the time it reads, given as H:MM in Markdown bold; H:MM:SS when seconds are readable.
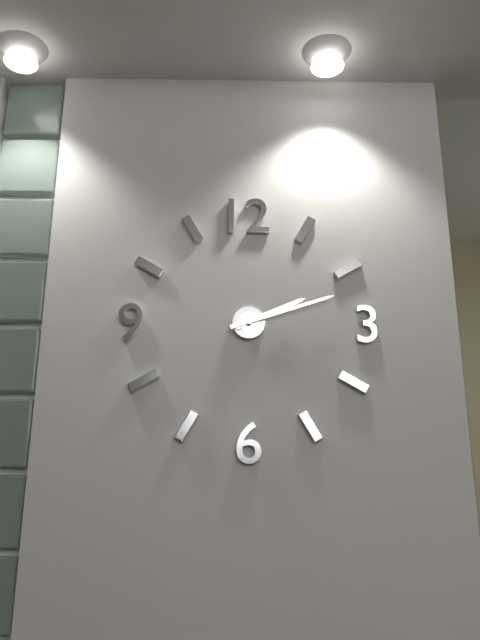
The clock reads **2:12**
